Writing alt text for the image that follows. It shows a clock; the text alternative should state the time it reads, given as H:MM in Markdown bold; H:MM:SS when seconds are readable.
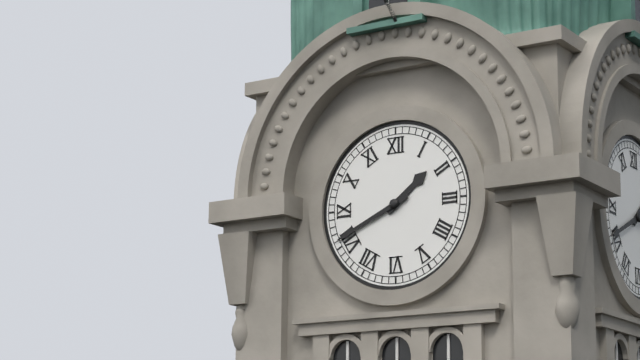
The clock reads **1:41**
